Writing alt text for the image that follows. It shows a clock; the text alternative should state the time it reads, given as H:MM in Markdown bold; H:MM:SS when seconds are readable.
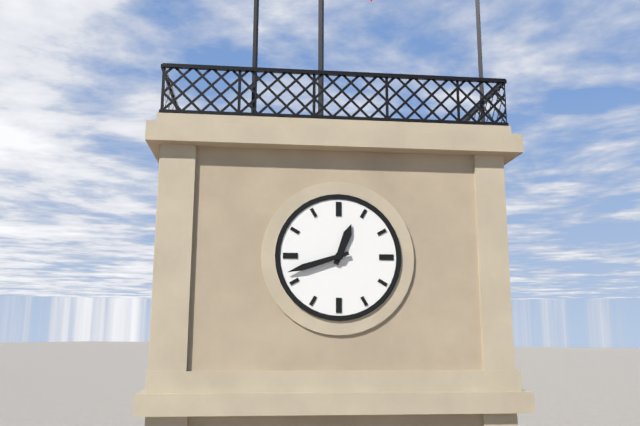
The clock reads **12:42**
